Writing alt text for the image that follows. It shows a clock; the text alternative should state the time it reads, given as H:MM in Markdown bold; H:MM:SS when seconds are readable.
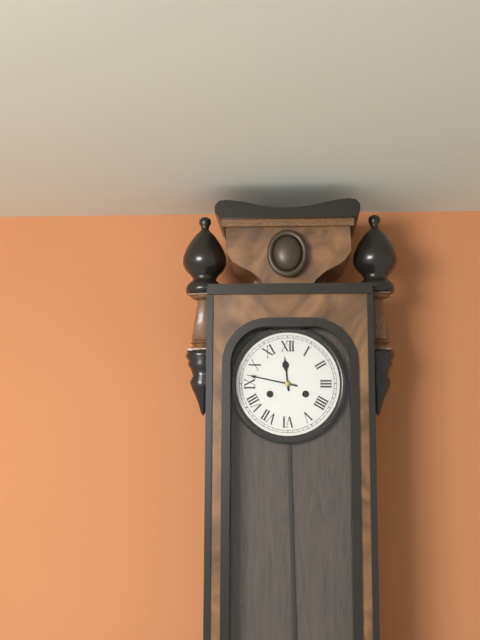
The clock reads **11:47**
